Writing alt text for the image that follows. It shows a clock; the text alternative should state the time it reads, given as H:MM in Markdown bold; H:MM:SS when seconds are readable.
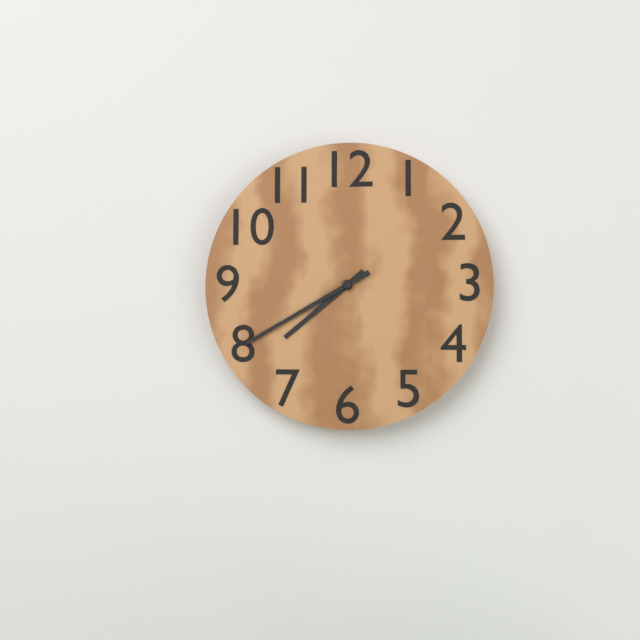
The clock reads **7:40**
